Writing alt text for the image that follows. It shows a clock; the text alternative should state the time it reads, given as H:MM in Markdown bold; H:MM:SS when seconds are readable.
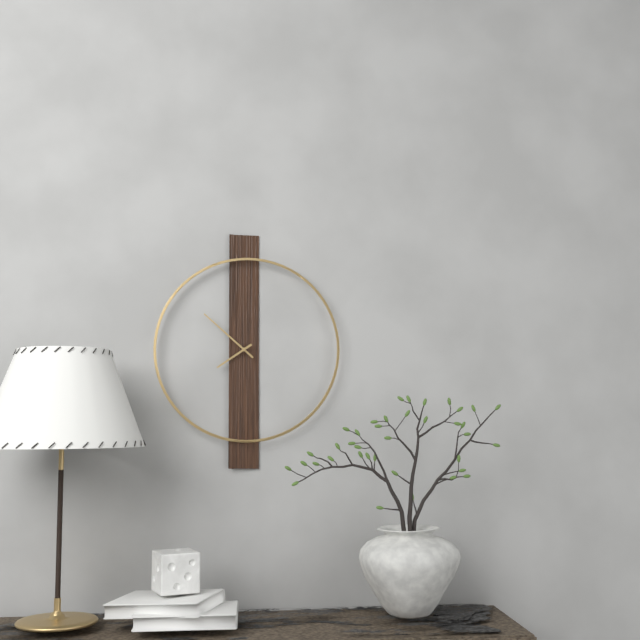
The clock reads **7:52**
